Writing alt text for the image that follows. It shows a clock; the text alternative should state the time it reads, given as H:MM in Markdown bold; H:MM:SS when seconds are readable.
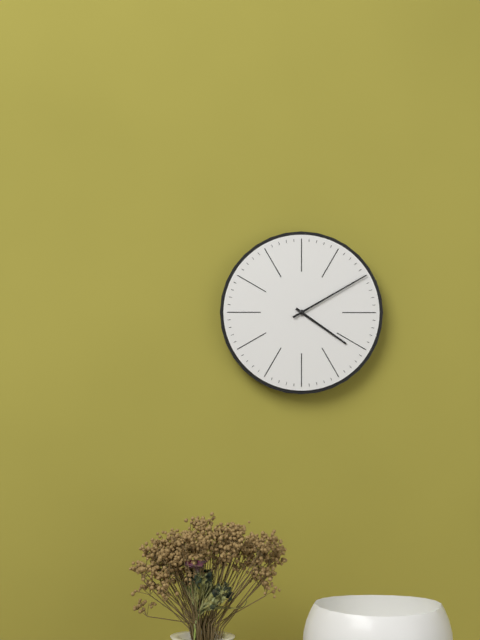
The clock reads **4:10**
